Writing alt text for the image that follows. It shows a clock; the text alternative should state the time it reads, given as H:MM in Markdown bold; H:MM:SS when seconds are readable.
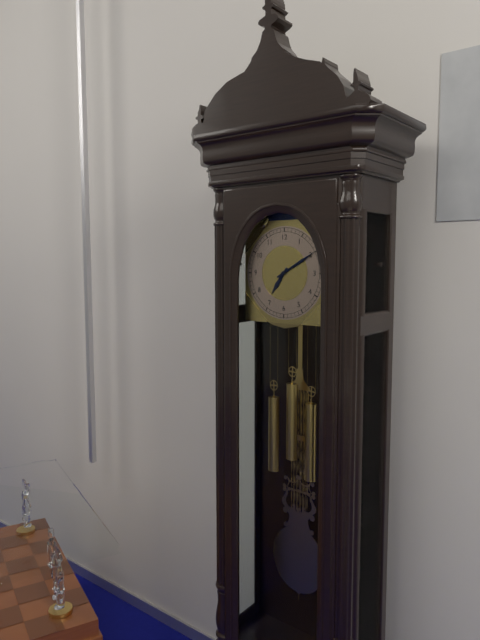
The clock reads **7:10**
